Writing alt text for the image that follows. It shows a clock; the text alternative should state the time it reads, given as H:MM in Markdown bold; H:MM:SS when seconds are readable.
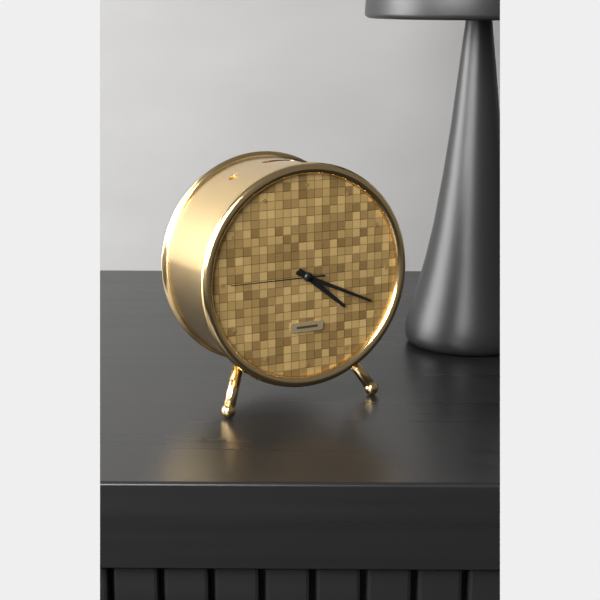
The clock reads **4:19:45**
